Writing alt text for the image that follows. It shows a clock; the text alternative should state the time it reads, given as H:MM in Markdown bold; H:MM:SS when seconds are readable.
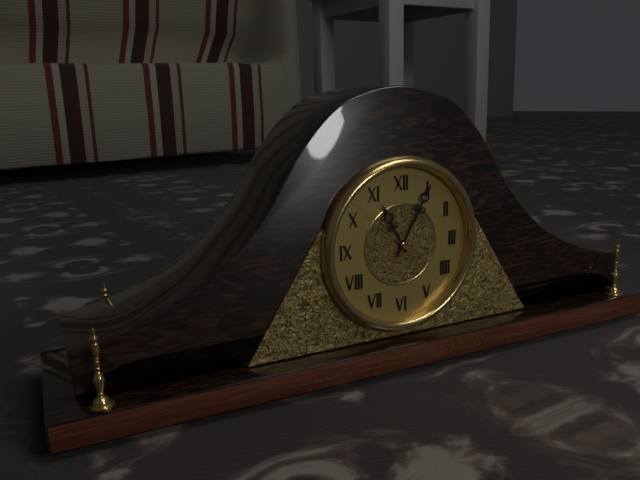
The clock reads **11:05:52**
